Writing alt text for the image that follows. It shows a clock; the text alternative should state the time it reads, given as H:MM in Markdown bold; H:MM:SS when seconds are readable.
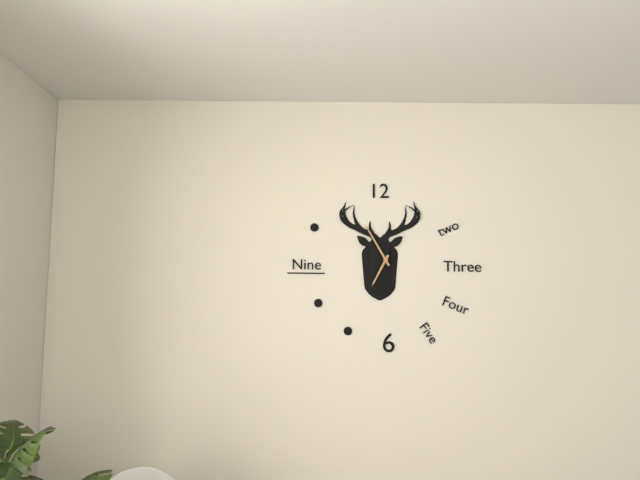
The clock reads **6:55**
